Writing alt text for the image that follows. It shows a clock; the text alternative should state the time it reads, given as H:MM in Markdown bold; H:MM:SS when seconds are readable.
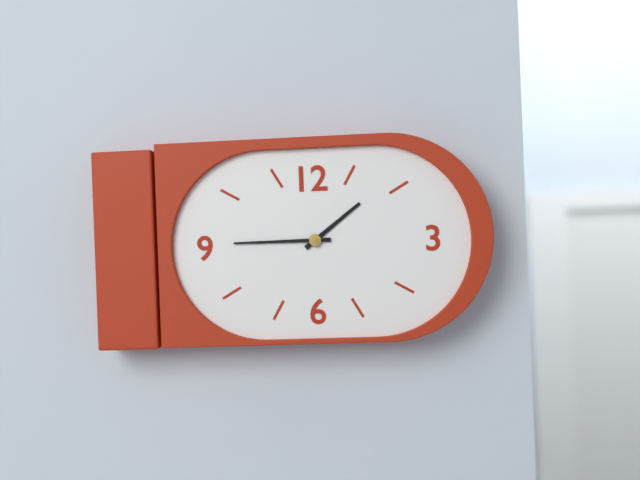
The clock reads **1:45**
